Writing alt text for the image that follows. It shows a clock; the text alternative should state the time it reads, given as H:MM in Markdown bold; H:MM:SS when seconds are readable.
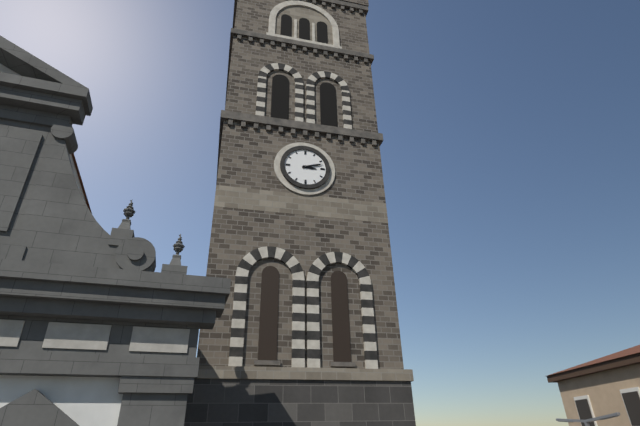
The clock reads **3:12**
